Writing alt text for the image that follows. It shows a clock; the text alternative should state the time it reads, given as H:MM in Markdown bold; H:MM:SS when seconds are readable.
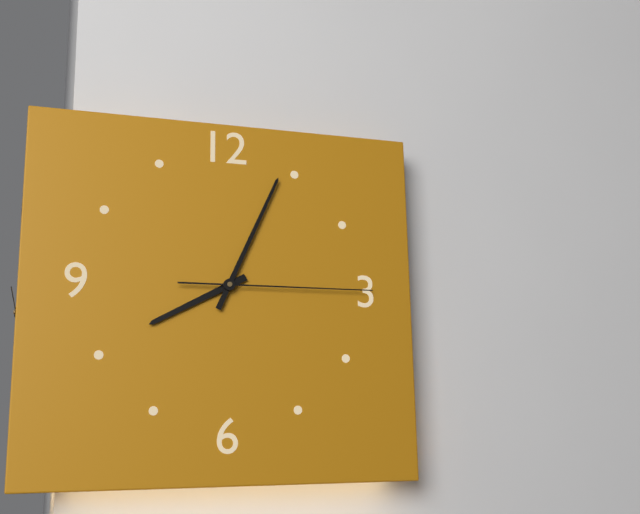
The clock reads **8:04:15**
